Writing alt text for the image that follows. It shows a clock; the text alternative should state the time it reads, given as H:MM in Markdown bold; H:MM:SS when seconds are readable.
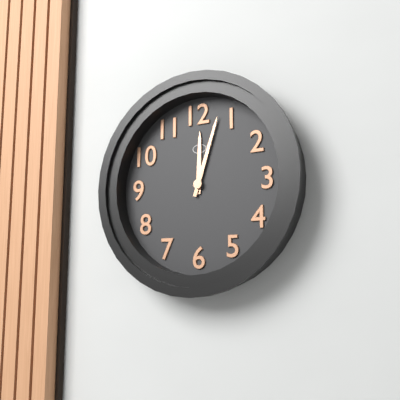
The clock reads **12:03**
